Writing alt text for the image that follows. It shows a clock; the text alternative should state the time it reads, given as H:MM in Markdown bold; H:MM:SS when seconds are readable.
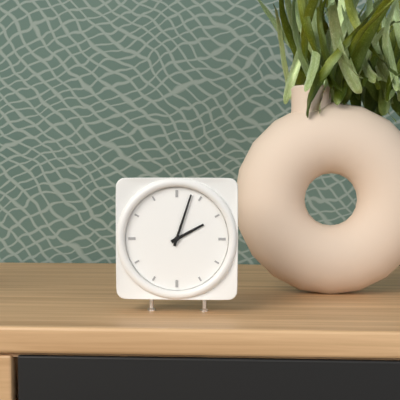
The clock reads **2:03**
